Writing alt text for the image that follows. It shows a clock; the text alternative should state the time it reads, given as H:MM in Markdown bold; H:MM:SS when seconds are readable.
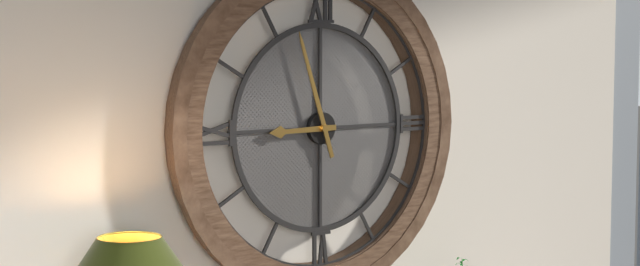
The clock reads **8:57**
